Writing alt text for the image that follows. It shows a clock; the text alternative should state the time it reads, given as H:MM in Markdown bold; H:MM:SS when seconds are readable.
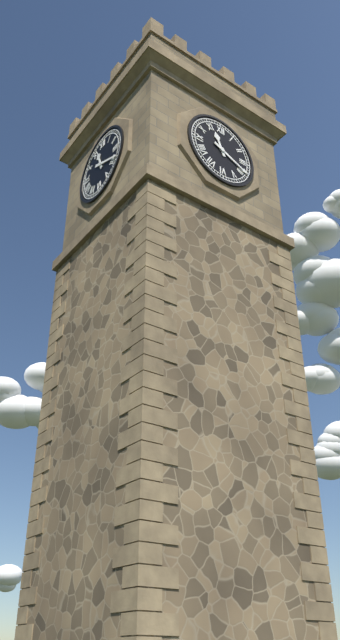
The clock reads **11:19**
